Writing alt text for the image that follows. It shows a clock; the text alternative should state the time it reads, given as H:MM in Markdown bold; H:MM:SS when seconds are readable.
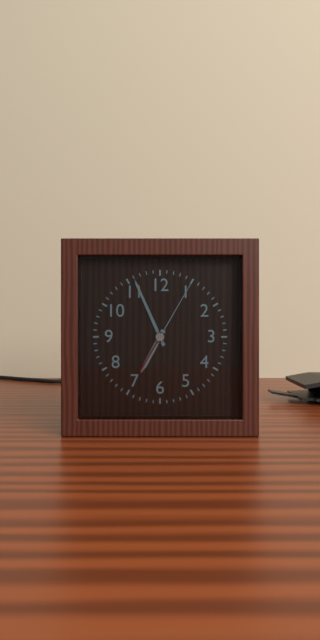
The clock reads **6:56:05**
